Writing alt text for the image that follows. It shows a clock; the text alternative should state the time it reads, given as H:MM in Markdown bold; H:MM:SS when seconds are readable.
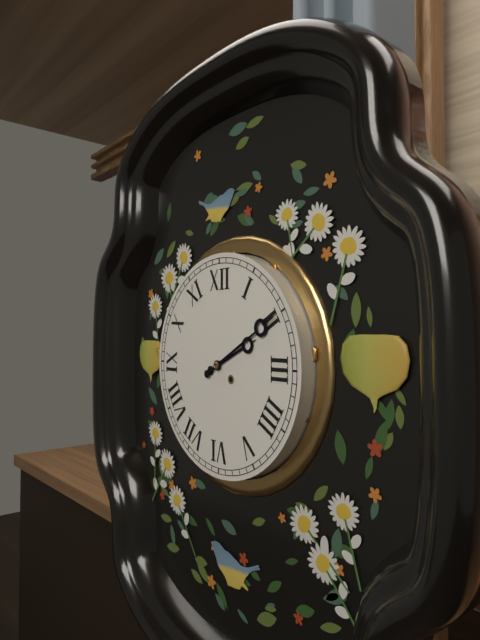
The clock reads **2:10**
